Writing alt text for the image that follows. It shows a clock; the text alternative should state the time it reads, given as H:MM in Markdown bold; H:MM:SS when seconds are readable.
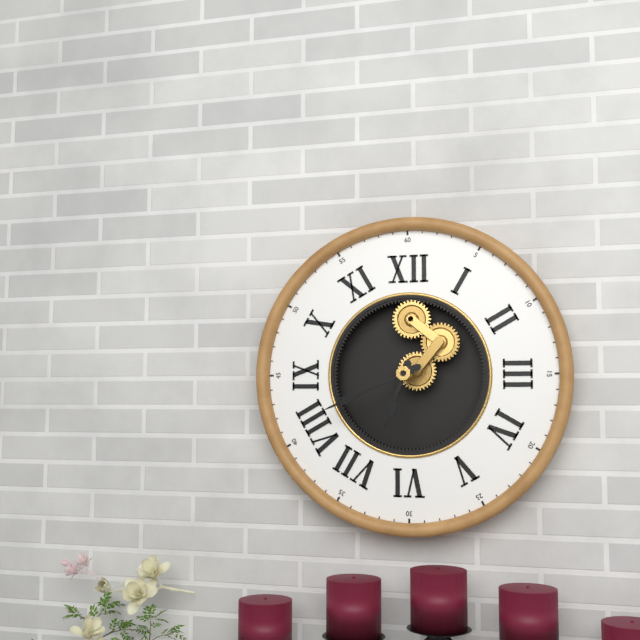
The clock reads **6:41**
